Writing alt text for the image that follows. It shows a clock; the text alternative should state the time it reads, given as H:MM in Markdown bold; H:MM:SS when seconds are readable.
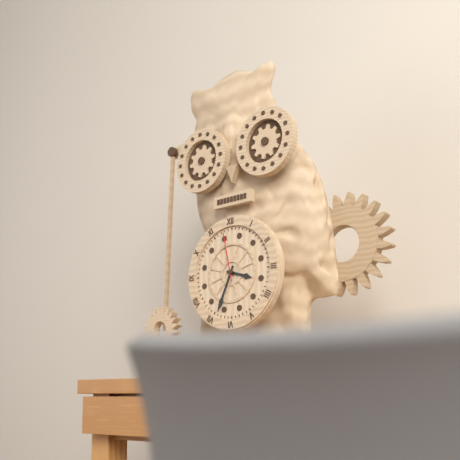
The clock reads **3:34:58**
